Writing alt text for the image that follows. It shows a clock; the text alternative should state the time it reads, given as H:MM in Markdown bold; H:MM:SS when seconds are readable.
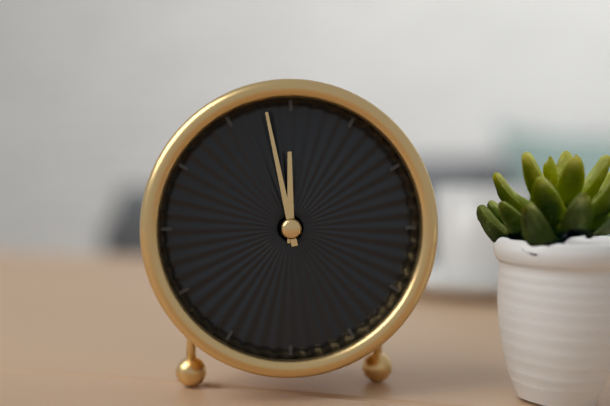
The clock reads **11:58**
